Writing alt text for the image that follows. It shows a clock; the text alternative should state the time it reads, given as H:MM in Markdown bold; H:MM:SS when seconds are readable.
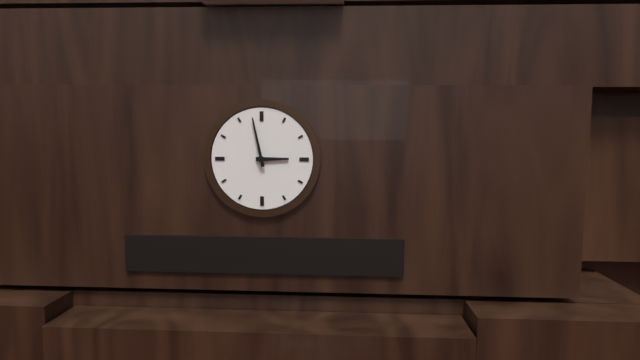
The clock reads **2:58**
